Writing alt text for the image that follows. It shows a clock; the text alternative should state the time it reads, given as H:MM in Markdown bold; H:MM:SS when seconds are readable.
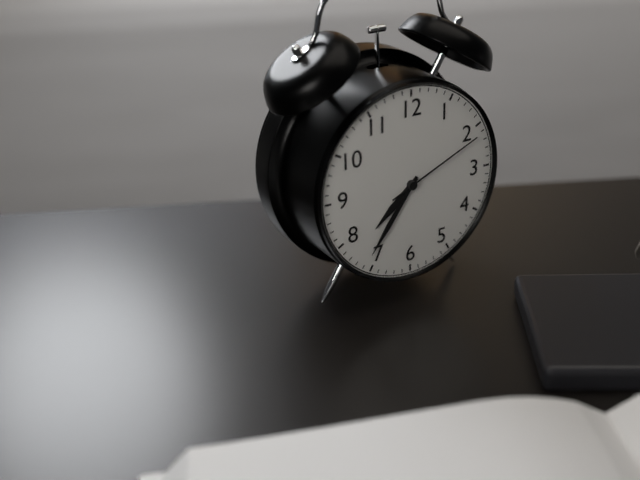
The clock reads **7:36:11**
